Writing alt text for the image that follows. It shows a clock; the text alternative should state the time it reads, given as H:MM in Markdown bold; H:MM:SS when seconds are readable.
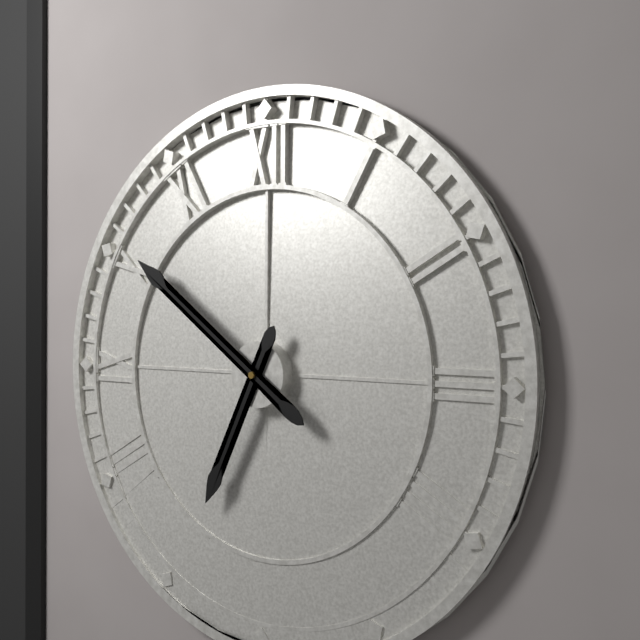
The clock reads **6:51**
